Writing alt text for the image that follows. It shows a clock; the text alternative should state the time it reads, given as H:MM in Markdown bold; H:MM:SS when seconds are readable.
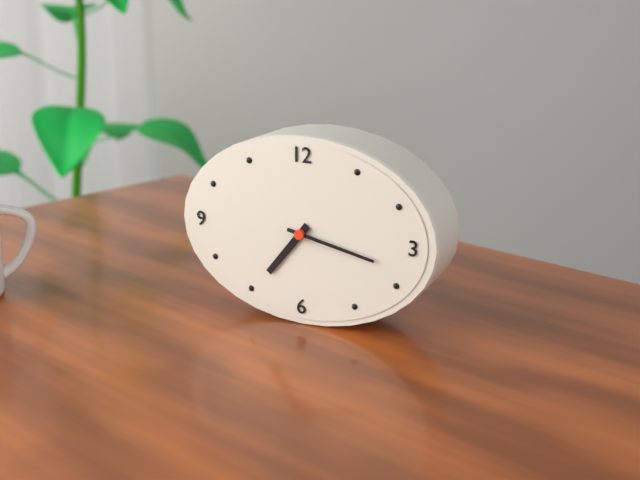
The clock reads **7:17**
